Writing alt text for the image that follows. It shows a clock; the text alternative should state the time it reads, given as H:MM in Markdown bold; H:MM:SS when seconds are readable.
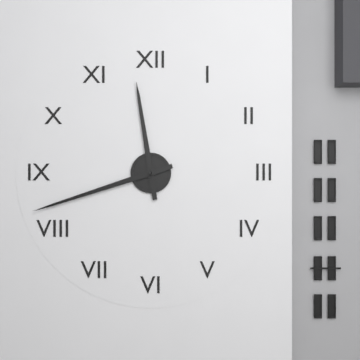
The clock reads **11:42**
